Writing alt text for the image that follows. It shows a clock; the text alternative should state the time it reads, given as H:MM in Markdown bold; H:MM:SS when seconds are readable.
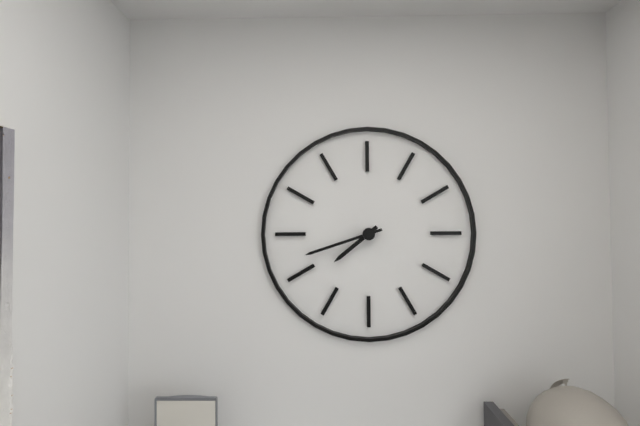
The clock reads **7:42**
